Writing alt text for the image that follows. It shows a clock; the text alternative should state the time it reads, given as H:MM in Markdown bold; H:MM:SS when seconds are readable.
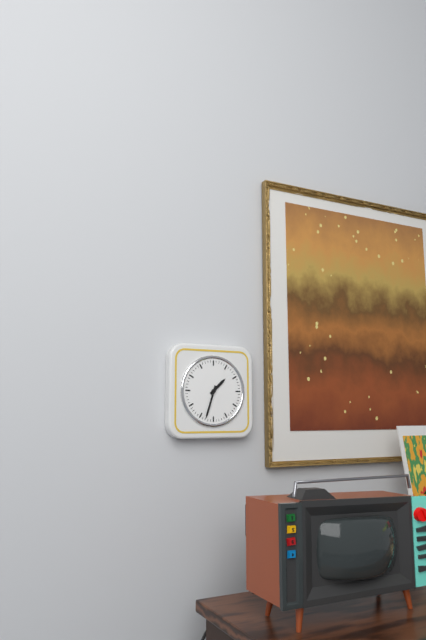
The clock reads **1:33**
